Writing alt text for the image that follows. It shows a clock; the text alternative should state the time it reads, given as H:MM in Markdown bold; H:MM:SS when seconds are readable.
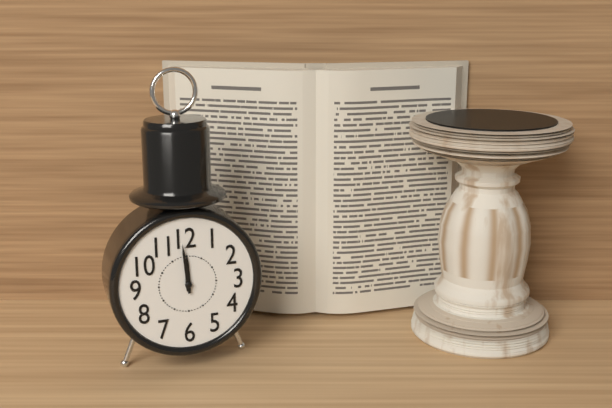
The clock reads **11:59**
